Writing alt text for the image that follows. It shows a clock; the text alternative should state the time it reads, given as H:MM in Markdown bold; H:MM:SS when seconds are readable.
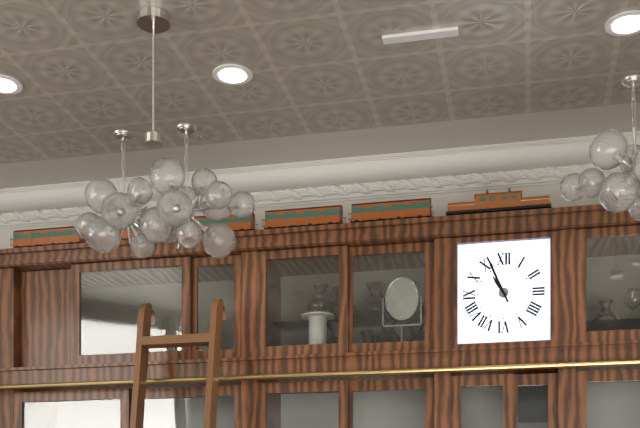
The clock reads **10:56**
